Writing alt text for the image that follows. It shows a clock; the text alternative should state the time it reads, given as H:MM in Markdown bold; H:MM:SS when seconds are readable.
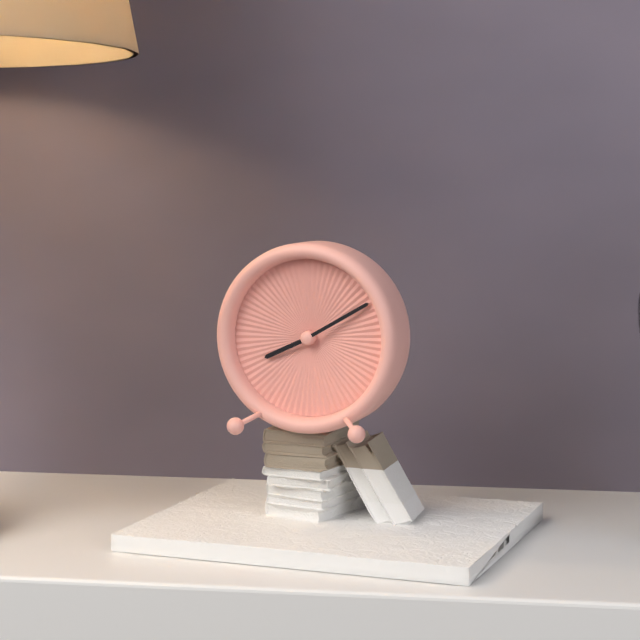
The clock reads **8:10**
